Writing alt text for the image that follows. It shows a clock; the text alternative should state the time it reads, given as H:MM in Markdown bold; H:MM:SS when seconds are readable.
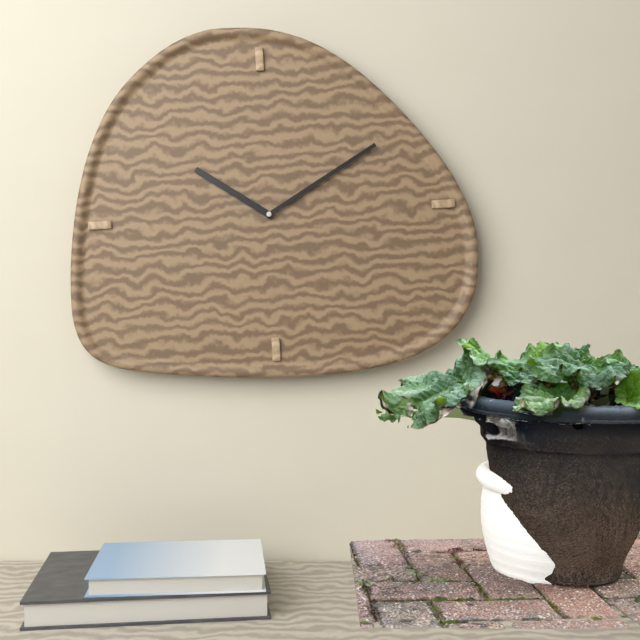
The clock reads **10:10**
